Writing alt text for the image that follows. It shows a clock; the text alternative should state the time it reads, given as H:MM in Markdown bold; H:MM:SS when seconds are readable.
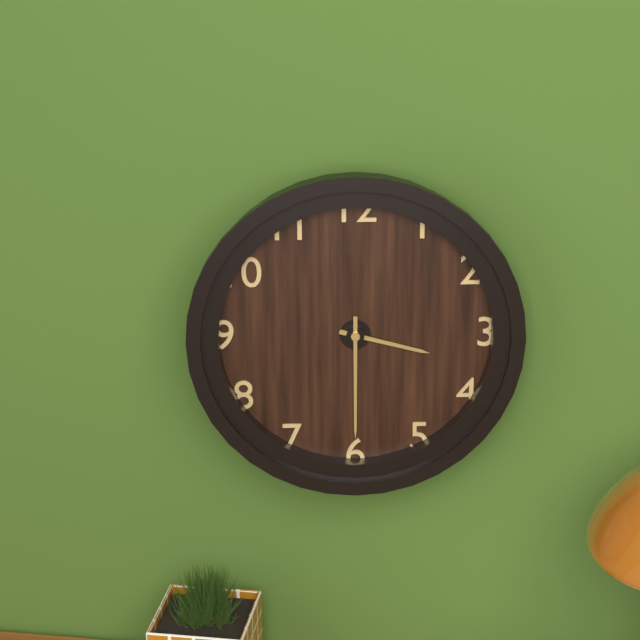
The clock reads **3:30**
